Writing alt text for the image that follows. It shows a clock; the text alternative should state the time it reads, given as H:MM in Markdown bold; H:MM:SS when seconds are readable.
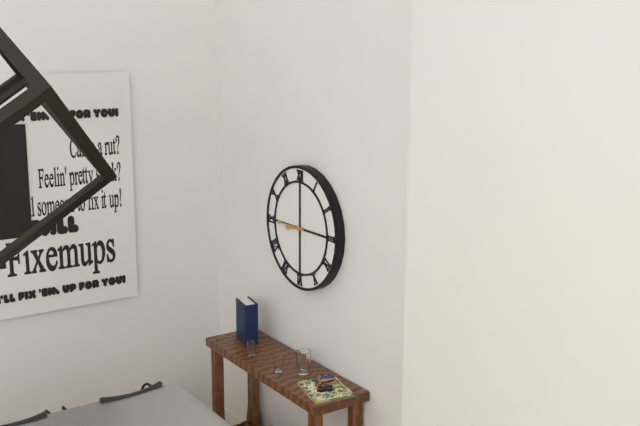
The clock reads **8:45**
